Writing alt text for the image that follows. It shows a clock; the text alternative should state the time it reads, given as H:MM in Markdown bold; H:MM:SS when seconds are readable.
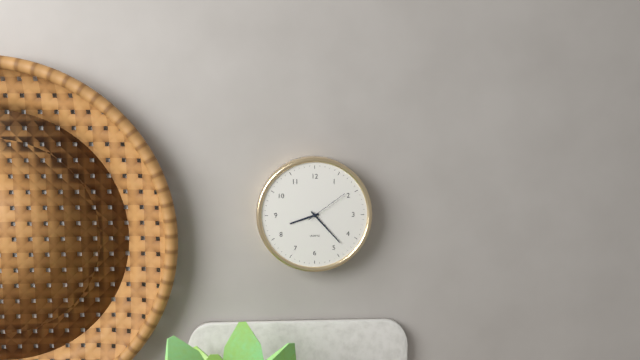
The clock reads **8:23**
